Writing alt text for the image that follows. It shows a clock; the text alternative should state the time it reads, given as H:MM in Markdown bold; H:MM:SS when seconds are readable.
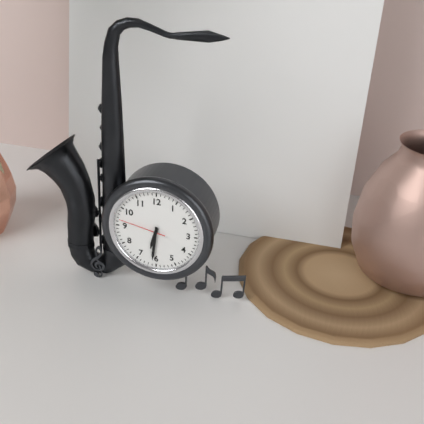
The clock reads **6:31**
